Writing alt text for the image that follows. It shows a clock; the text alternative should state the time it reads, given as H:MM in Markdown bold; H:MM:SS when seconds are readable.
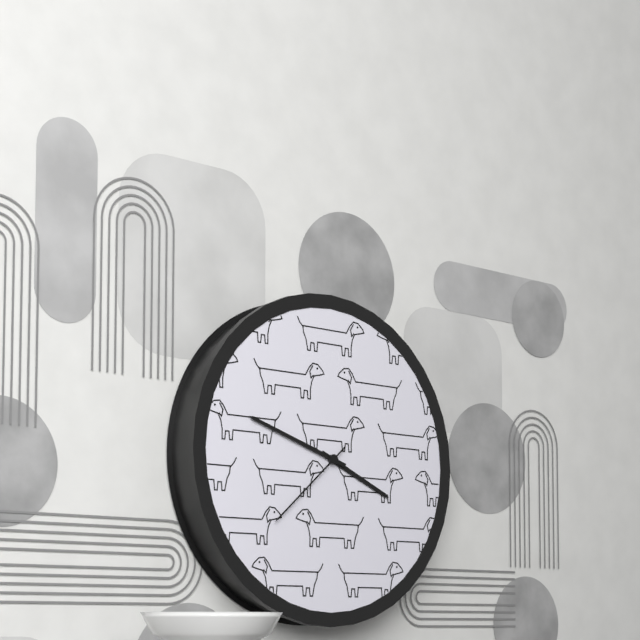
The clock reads **3:48:38**
